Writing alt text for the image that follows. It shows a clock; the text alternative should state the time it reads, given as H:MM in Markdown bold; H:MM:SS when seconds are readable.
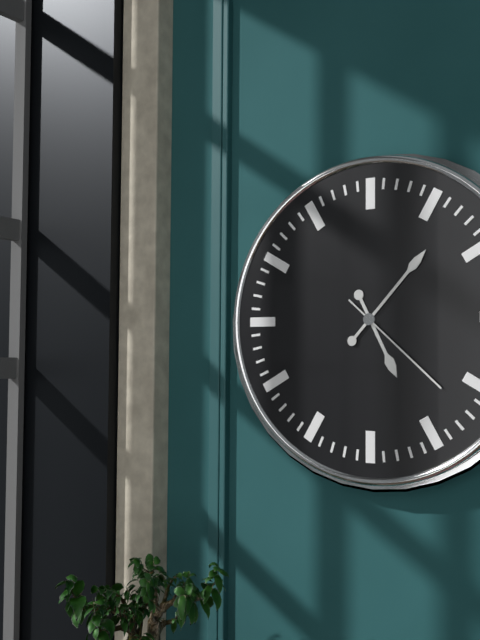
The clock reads **5:07:22**
